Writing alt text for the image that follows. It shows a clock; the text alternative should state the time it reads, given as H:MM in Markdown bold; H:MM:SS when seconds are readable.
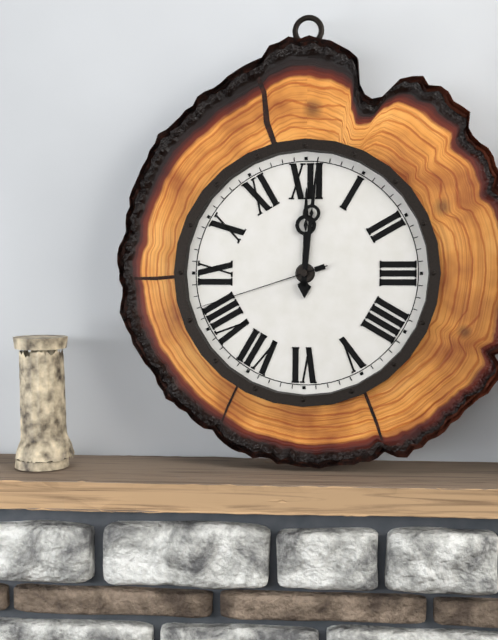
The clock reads **12:01:42**
